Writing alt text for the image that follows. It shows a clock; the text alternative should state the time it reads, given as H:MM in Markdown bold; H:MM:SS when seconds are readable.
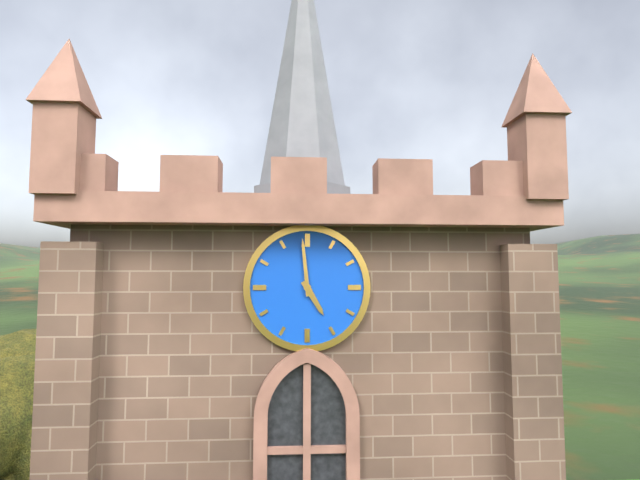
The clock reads **4:59**
